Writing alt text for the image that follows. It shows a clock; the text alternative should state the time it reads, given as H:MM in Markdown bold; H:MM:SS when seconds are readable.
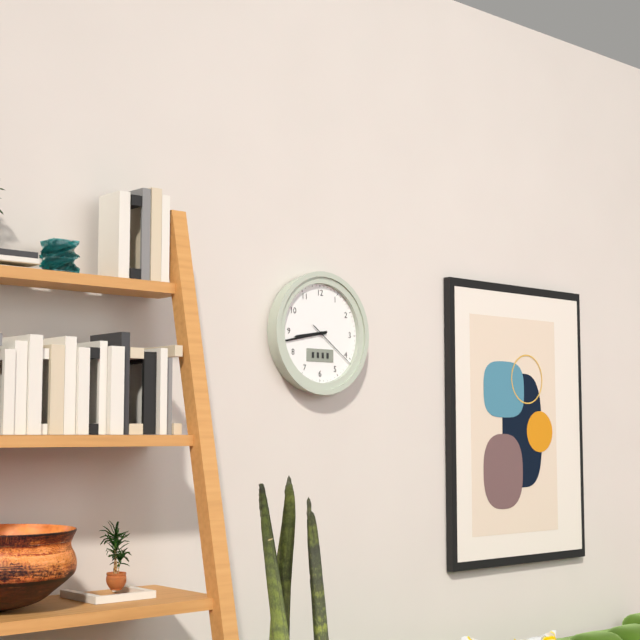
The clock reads **8:43:21**
